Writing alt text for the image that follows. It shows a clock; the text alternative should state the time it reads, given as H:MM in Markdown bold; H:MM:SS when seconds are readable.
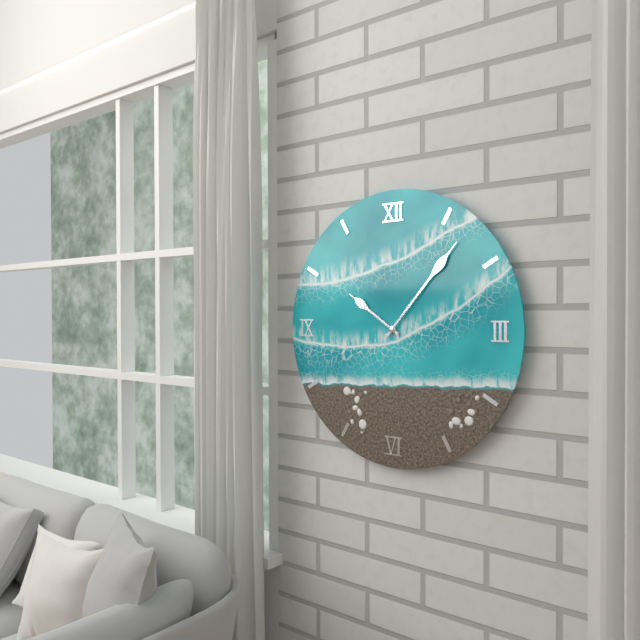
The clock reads **10:07**
